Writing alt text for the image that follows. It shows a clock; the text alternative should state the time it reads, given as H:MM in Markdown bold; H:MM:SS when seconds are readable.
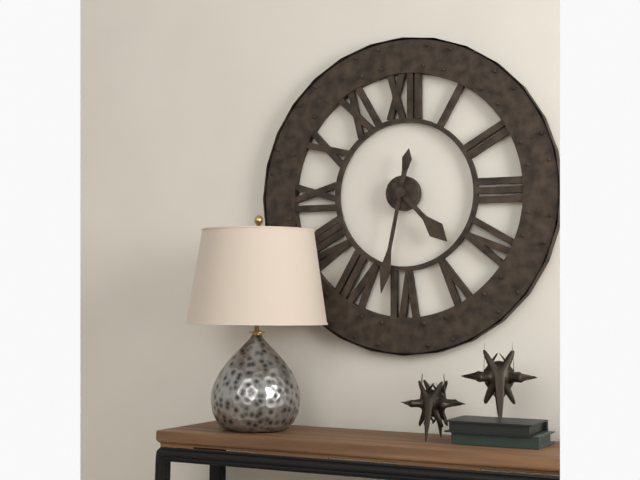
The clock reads **4:32**
